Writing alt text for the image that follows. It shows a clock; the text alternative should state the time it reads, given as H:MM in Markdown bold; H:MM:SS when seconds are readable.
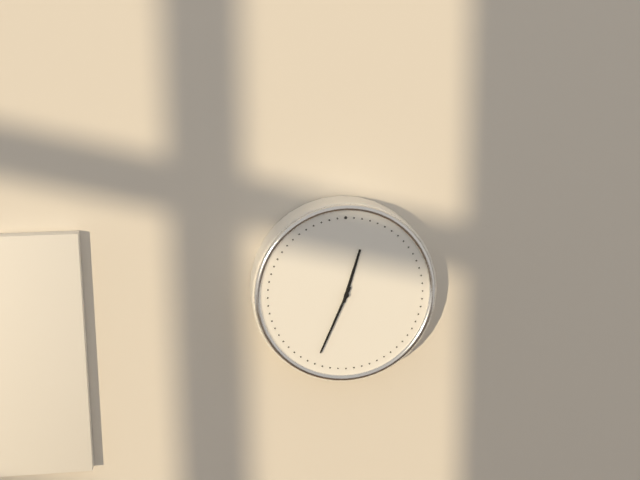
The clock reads **12:34**
